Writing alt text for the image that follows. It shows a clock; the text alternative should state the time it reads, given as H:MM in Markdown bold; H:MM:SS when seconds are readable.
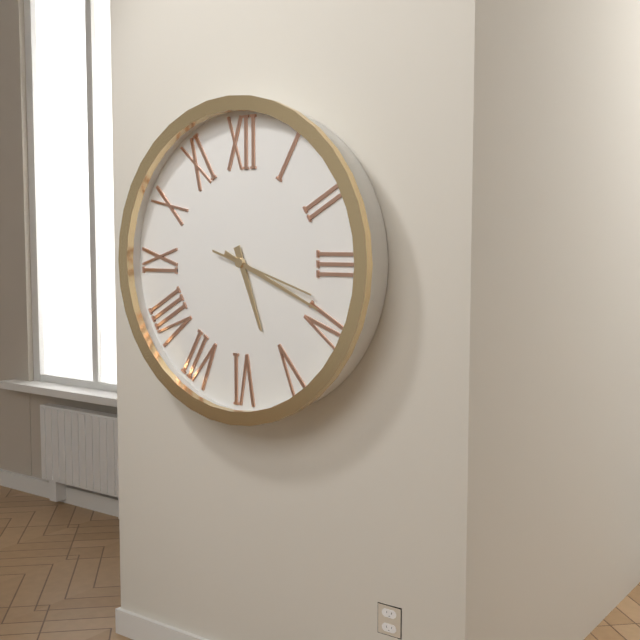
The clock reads **5:19:18**
